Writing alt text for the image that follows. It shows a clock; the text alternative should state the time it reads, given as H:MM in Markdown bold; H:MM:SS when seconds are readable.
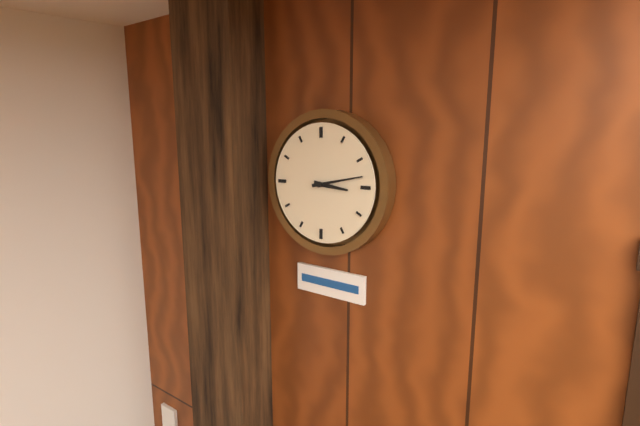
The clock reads **3:13**
